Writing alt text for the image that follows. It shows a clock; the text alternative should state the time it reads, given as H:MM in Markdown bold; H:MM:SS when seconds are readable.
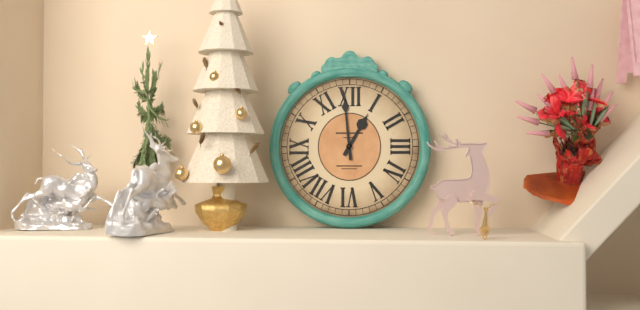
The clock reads **12:59**
